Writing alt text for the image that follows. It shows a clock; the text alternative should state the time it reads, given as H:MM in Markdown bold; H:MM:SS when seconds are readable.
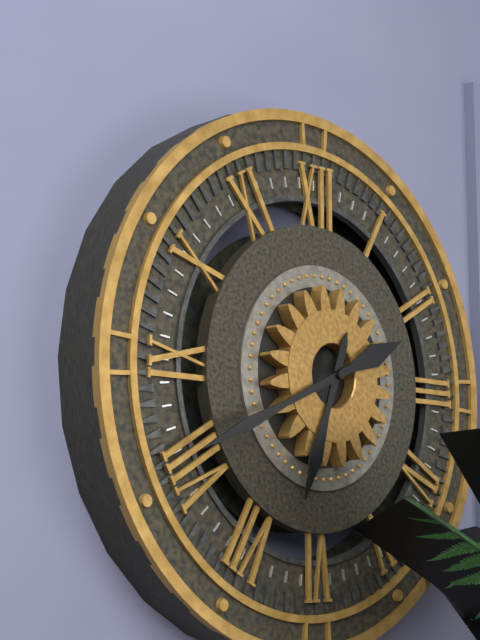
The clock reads **6:41**
